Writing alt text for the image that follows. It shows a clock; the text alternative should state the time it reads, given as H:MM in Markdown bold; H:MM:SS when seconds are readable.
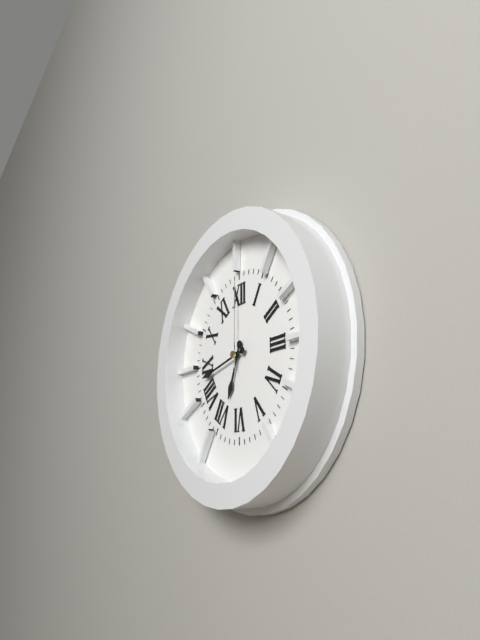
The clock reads **6:43:00**
